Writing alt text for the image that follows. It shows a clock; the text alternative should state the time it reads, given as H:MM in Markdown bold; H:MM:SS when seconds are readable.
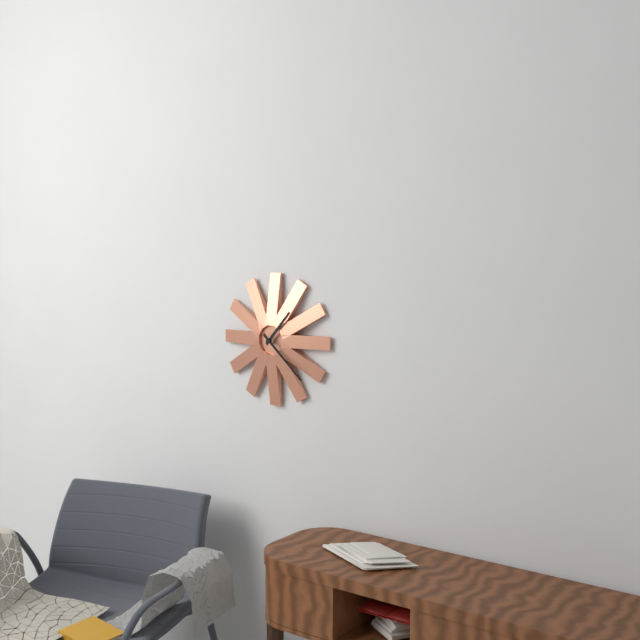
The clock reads **1:22**
